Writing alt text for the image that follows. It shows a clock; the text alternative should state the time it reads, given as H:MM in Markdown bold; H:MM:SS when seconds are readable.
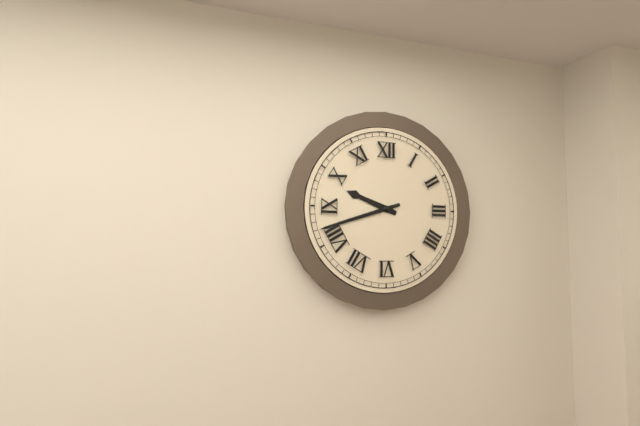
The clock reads **9:42**
